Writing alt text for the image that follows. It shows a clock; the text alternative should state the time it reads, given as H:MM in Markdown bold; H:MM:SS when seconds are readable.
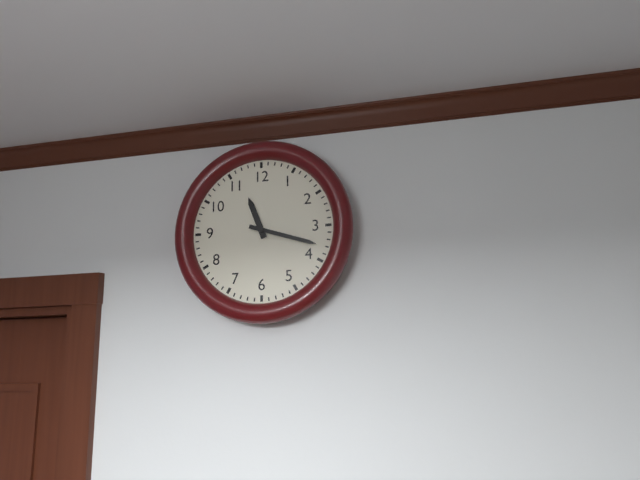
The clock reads **11:18**
